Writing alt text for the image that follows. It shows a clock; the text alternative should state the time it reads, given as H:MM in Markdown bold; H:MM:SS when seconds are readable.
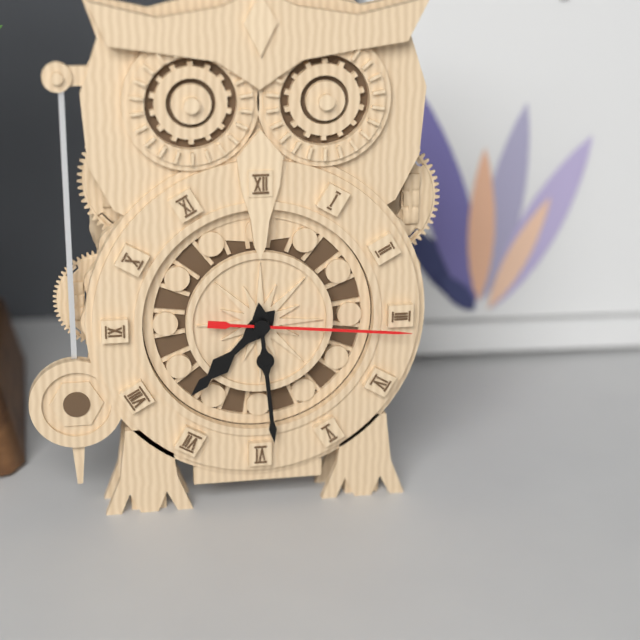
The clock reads **7:29:16**
